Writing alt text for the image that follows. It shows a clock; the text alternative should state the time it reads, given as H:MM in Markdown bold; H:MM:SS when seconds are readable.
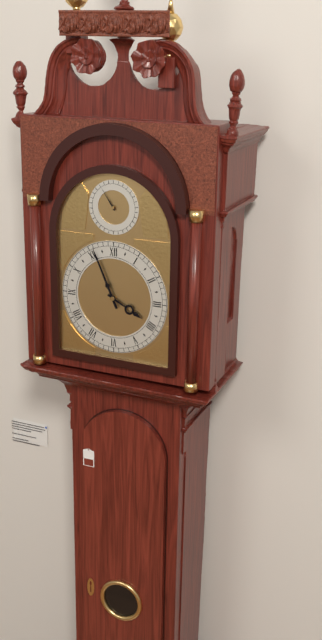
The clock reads **3:56**
